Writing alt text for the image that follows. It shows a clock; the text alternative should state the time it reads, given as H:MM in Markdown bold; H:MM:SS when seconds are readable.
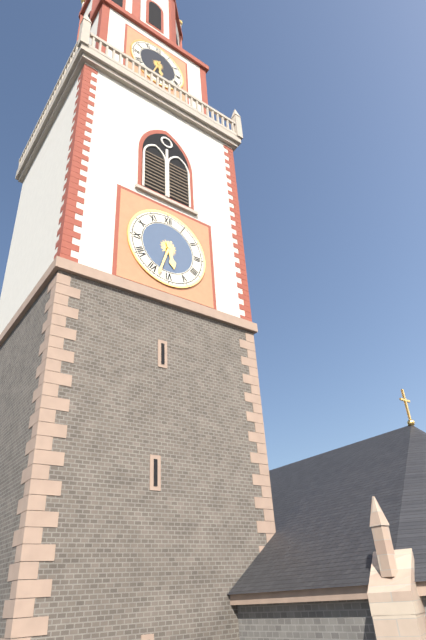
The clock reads **5:33**
